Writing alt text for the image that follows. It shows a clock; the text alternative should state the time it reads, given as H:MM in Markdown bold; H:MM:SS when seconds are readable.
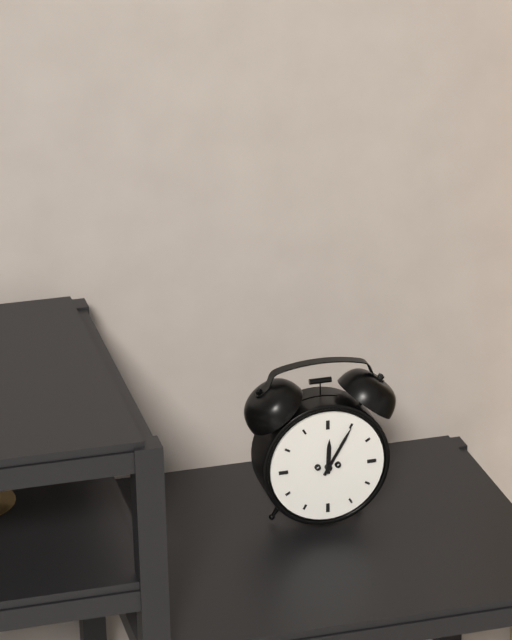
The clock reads **12:05**
